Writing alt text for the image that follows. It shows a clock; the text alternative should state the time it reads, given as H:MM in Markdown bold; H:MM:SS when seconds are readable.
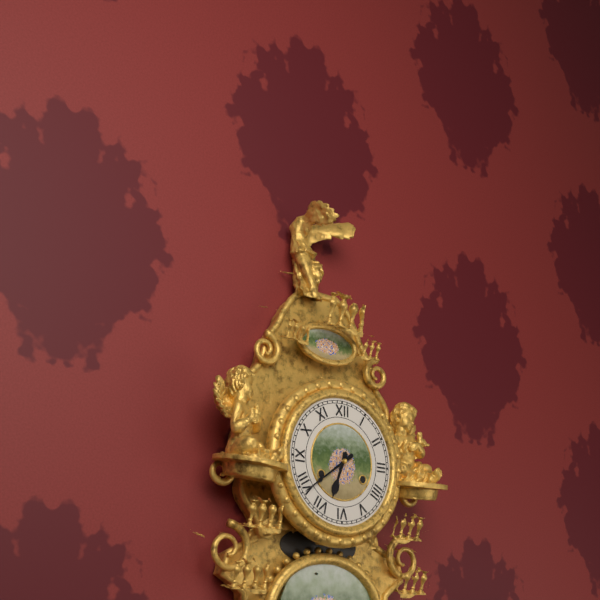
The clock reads **6:39**
